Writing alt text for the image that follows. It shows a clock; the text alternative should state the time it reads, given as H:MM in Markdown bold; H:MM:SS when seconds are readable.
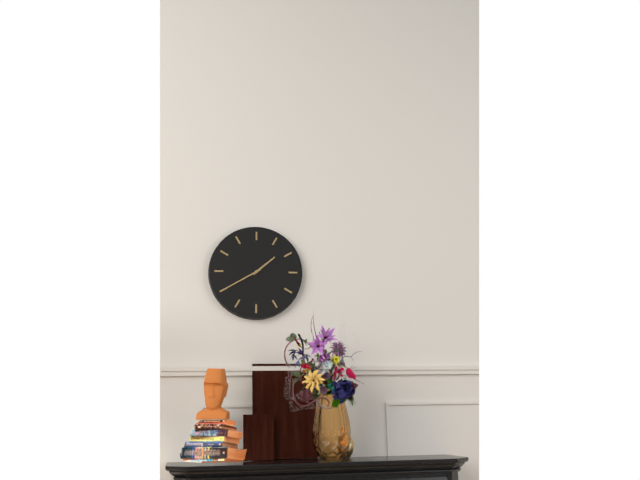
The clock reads **1:40**
